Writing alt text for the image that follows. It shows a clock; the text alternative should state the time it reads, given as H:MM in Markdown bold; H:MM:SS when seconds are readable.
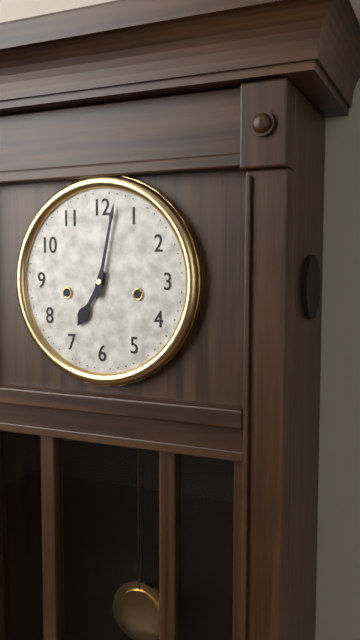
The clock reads **7:02**
